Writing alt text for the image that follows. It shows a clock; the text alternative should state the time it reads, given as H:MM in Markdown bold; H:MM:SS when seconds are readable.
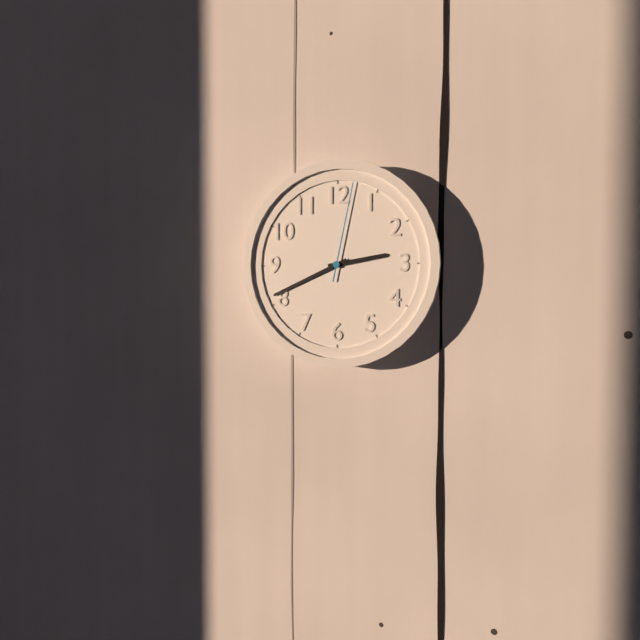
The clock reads **2:41:02**
